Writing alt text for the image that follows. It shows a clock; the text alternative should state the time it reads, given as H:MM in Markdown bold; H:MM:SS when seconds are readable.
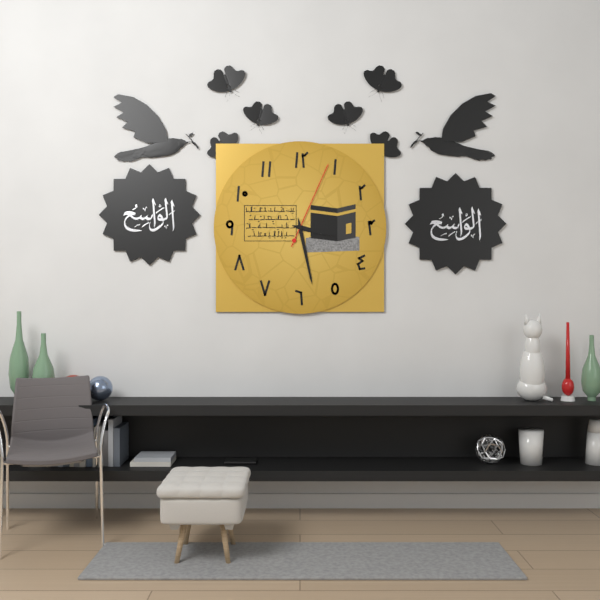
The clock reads **3:28:04**
